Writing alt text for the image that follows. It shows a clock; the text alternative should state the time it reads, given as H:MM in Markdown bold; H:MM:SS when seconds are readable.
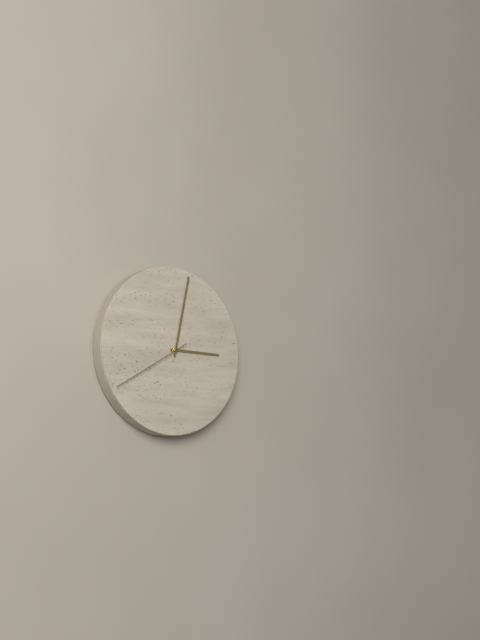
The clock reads **3:02:40**
